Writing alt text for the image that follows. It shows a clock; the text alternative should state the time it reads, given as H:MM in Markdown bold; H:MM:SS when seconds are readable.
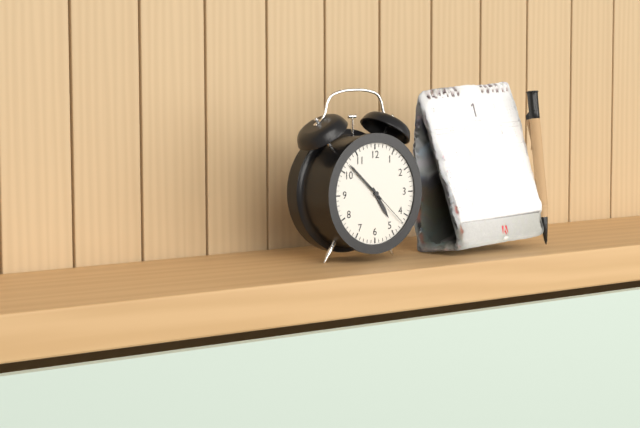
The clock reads **4:52**
